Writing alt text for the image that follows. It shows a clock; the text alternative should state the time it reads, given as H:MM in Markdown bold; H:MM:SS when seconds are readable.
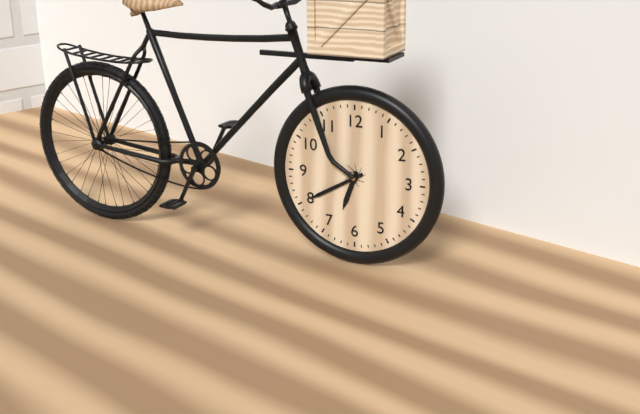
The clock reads **6:40**
